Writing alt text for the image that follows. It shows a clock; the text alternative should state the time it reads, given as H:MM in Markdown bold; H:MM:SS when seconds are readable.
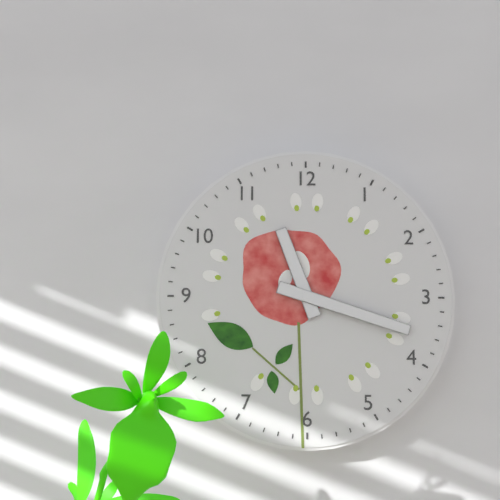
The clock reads **11:18**
